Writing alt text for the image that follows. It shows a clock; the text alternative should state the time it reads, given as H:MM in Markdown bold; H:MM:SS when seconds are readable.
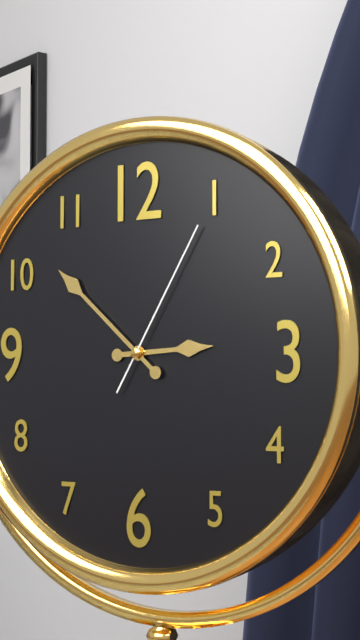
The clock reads **2:52:05**
